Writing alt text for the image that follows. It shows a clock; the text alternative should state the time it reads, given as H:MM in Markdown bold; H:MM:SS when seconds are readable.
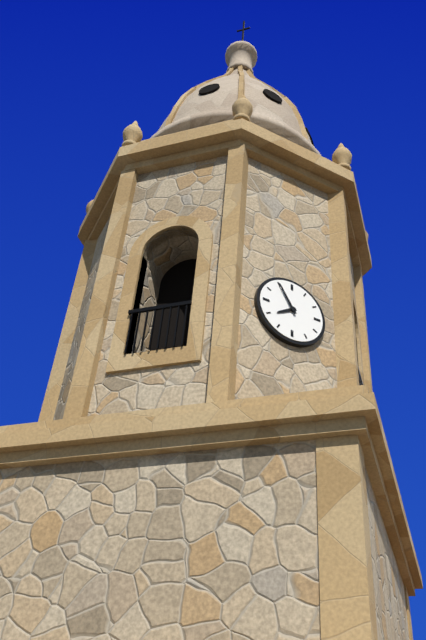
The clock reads **7:55**
